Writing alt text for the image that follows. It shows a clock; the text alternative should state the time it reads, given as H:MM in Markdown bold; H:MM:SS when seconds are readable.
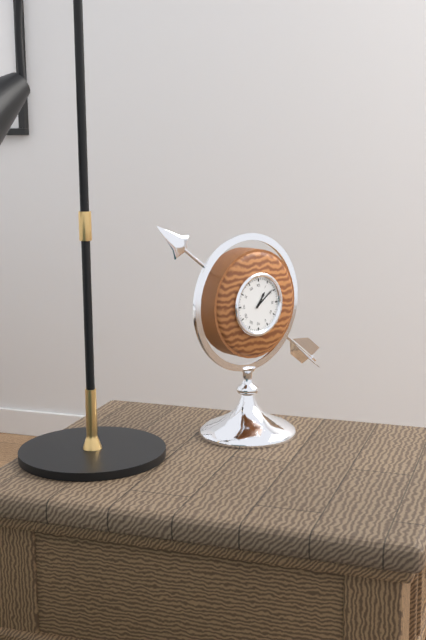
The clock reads **1:09**
